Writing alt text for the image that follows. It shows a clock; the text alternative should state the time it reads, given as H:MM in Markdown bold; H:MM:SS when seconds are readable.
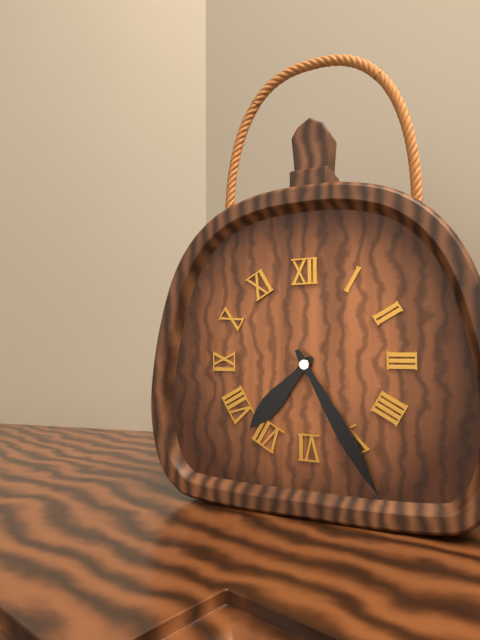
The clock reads **7:25**
